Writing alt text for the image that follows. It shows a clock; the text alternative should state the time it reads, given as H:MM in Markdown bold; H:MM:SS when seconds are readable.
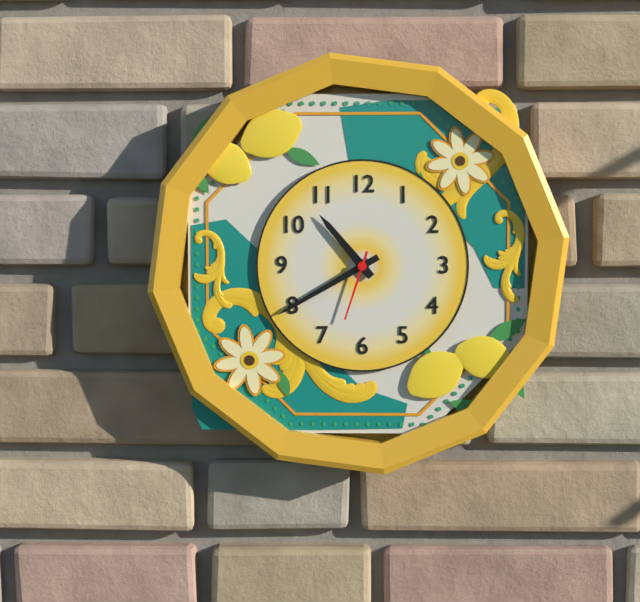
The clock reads **10:40:33**
